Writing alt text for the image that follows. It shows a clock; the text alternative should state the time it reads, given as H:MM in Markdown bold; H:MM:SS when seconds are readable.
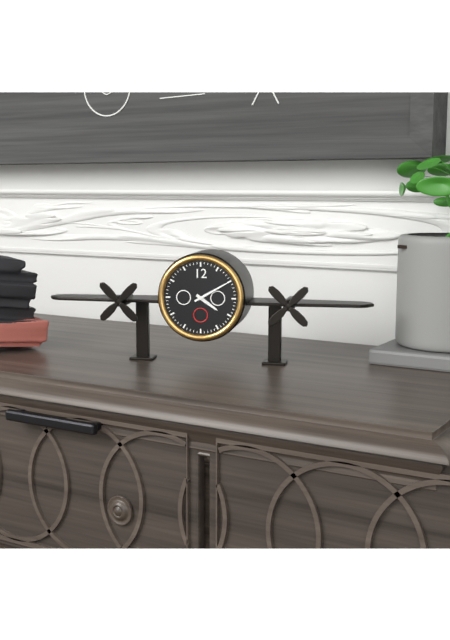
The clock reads **4:10**
